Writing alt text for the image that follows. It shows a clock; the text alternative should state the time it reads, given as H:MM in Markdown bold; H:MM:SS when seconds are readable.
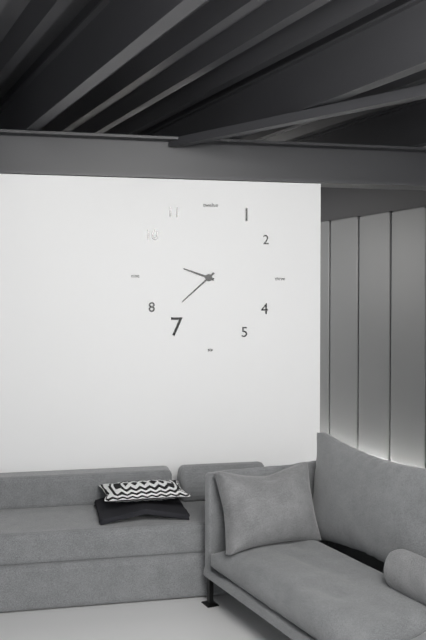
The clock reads **9:38**
